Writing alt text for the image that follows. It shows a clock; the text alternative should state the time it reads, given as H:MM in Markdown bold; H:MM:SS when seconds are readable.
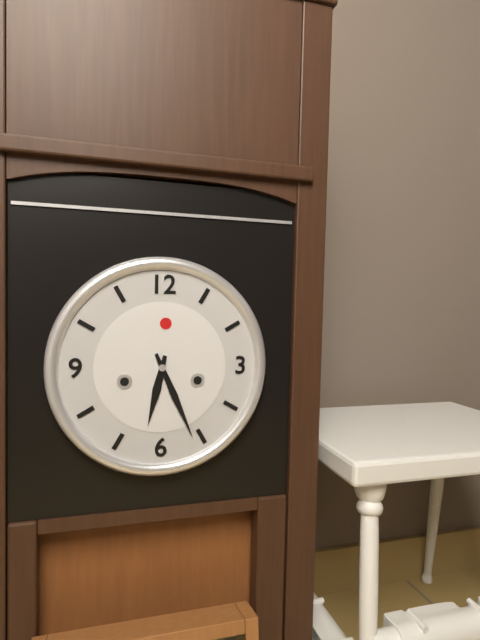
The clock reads **6:26**
